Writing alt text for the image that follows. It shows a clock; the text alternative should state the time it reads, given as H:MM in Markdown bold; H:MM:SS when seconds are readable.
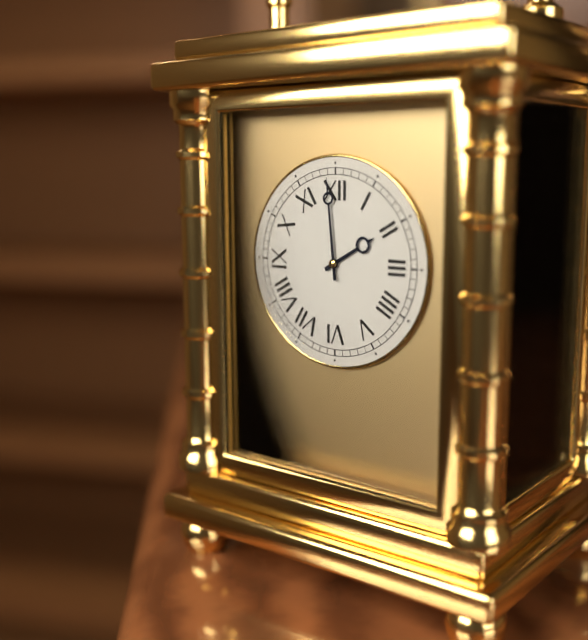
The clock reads **1:59**
